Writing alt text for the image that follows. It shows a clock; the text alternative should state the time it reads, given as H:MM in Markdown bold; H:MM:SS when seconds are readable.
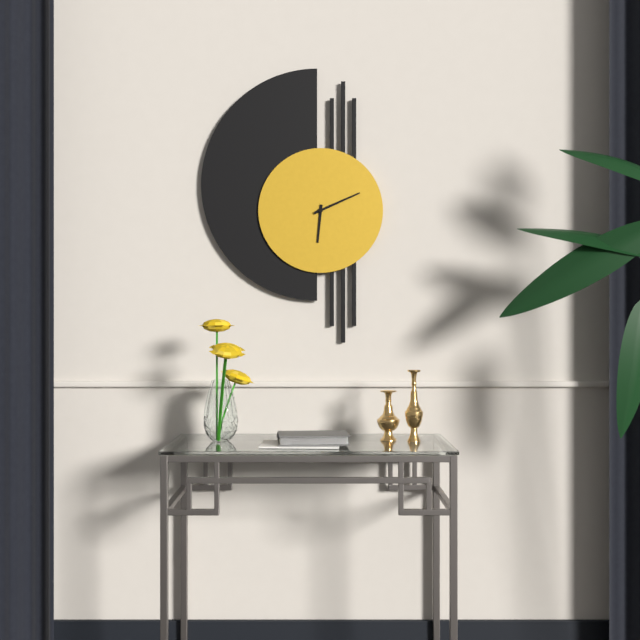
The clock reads **6:11**
